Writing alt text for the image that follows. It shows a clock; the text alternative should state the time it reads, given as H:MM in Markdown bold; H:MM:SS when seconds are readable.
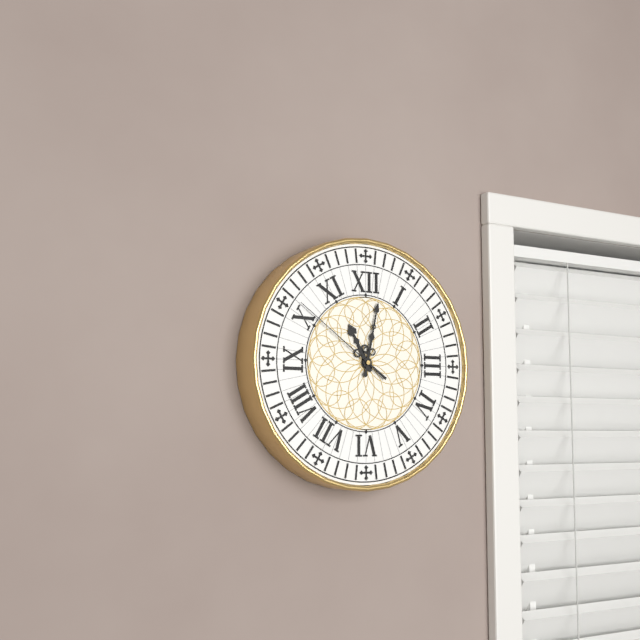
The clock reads **11:02:51**
